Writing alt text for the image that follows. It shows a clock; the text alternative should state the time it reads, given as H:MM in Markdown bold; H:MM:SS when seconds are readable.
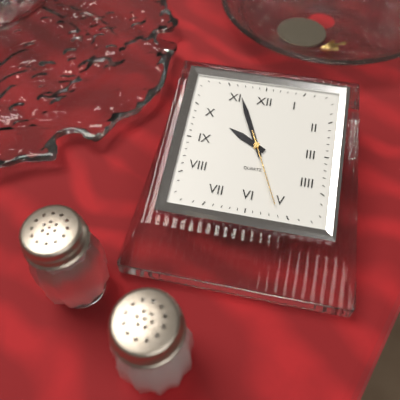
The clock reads **9:56:26**
